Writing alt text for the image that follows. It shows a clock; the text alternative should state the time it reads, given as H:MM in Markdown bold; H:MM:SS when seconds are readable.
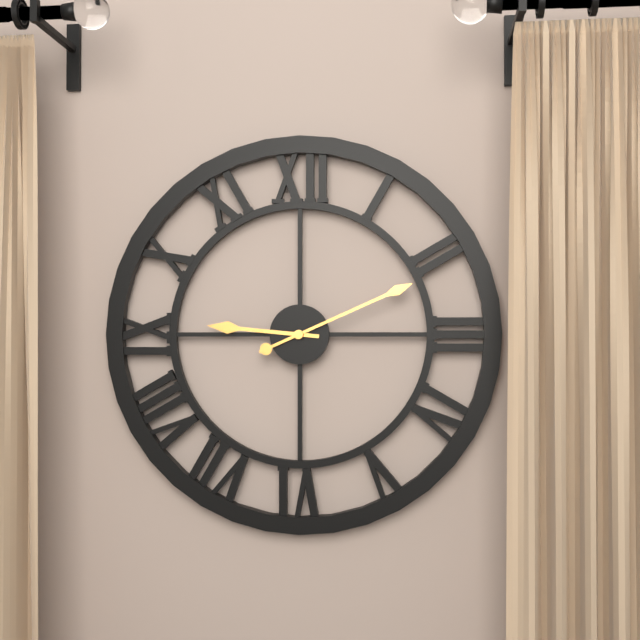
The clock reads **9:11**
